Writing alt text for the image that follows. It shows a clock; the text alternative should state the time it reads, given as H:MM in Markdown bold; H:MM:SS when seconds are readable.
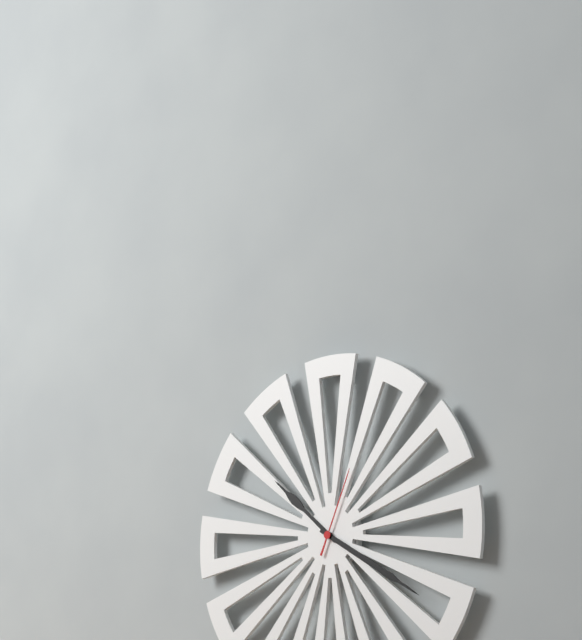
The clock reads **10:20:04**
